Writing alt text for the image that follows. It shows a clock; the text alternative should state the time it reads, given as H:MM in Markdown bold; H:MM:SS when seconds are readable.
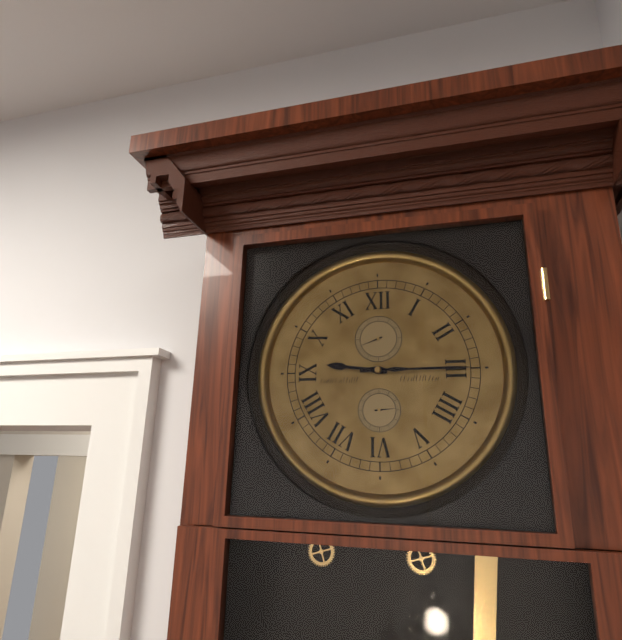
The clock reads **9:15**
